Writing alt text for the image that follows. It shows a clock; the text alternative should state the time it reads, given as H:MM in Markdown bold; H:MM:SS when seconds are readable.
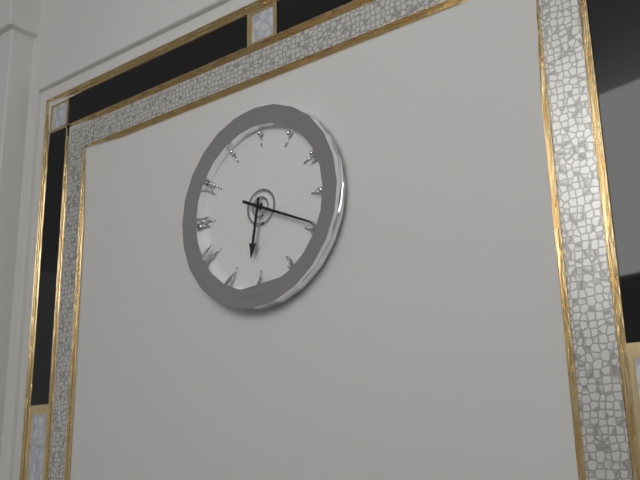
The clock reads **6:19**
